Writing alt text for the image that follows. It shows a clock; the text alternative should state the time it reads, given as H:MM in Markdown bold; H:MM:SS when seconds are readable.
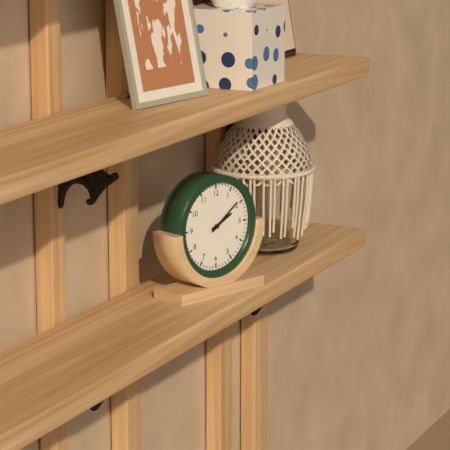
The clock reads **2:09**
